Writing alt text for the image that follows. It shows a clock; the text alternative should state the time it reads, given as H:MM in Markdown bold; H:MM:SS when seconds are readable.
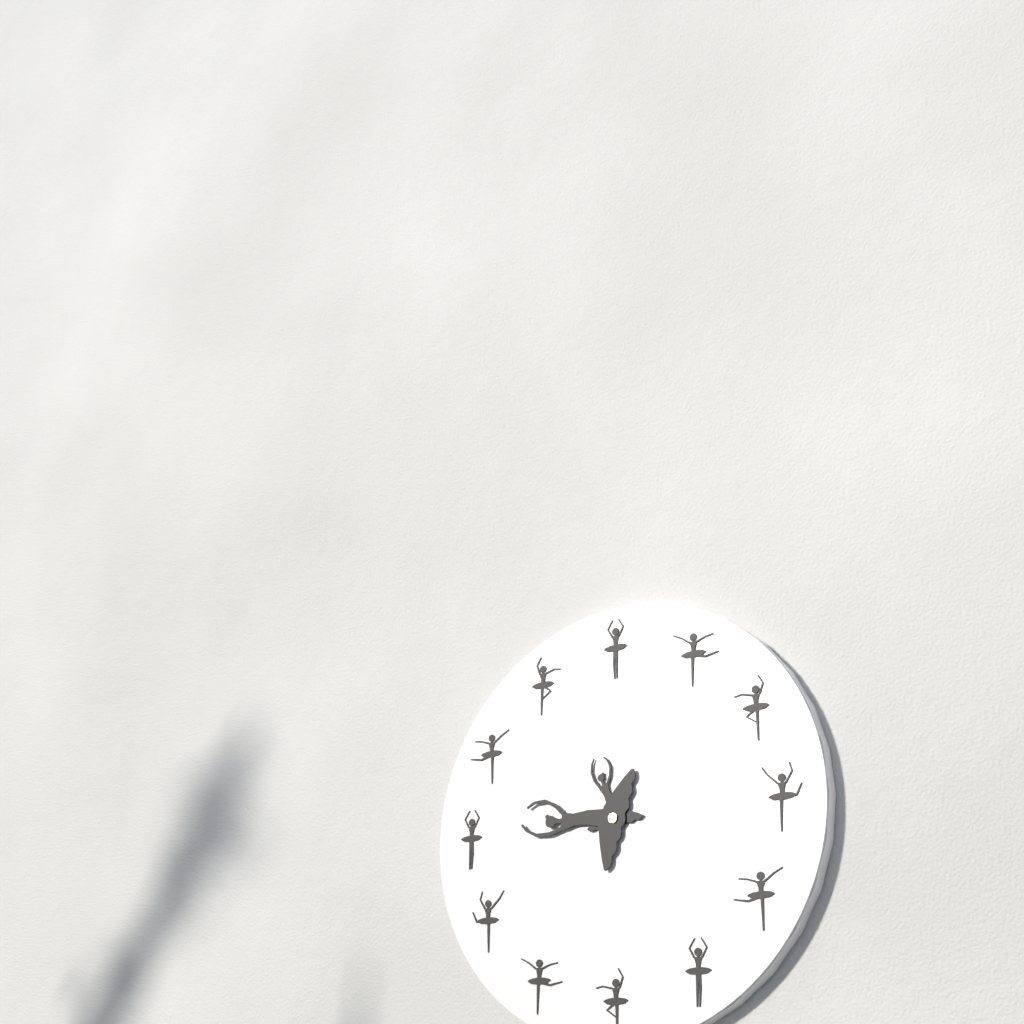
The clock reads **11:48**
